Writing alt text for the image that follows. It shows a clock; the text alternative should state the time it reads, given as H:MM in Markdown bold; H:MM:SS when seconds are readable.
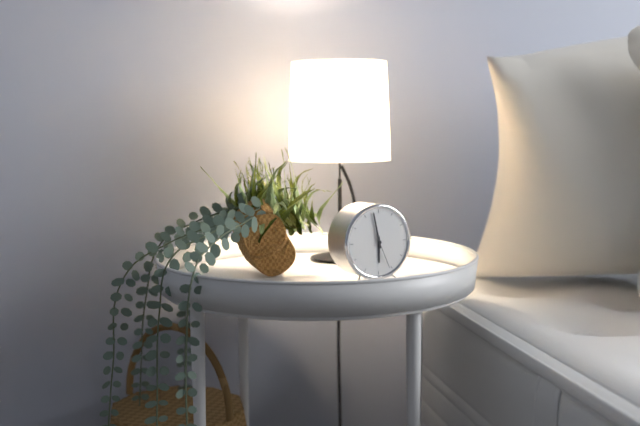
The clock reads **5:58**
